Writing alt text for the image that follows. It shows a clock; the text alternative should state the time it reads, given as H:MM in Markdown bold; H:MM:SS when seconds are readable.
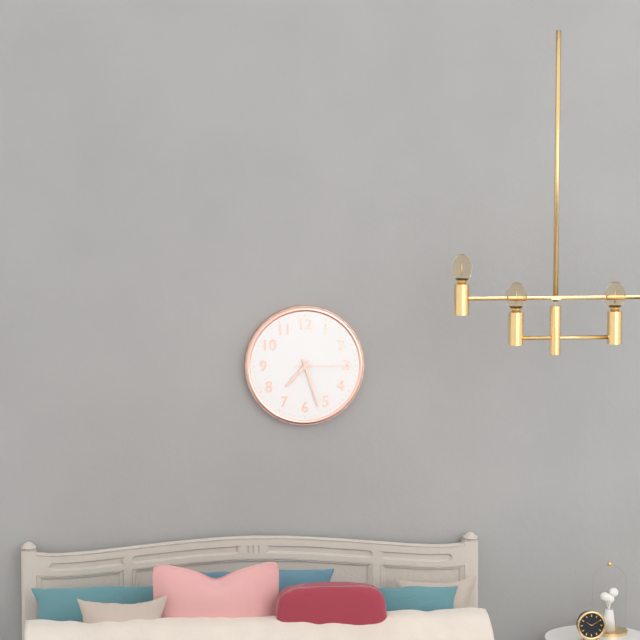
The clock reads **7:27:15**
